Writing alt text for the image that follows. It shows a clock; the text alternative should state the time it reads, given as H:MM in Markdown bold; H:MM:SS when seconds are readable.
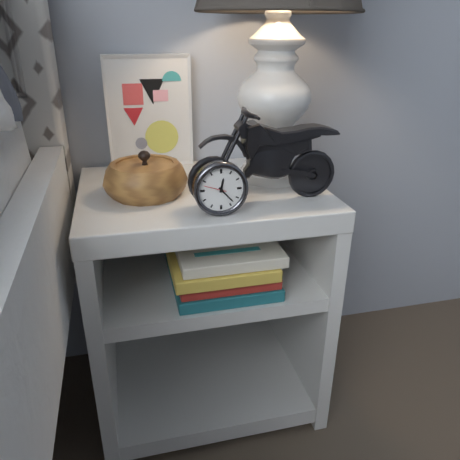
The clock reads **12:23**
